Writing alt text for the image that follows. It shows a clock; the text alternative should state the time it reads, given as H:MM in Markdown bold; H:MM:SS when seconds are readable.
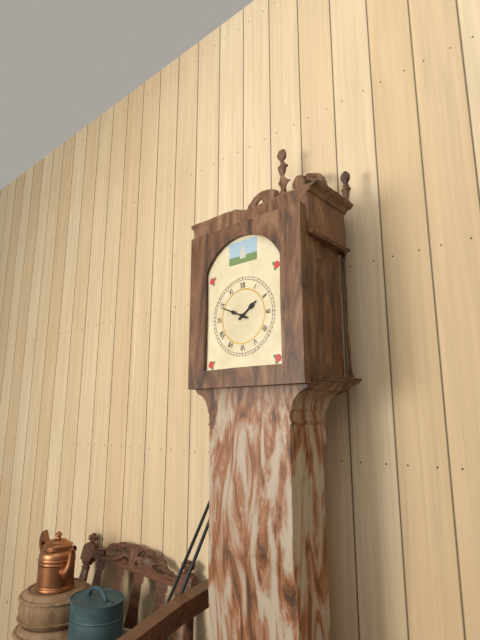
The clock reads **1:49**
